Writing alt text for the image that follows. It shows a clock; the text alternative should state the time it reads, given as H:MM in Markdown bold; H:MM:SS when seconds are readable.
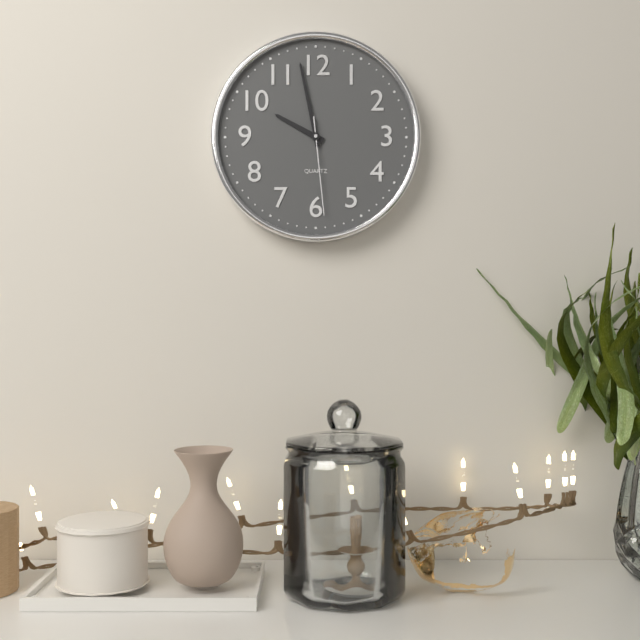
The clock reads **9:58:29**
